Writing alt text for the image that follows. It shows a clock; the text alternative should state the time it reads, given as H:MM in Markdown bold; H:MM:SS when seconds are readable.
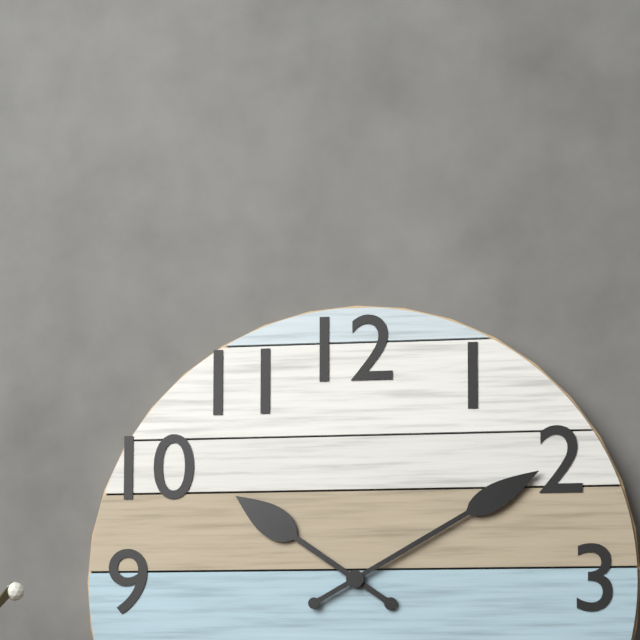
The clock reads **10:10**
